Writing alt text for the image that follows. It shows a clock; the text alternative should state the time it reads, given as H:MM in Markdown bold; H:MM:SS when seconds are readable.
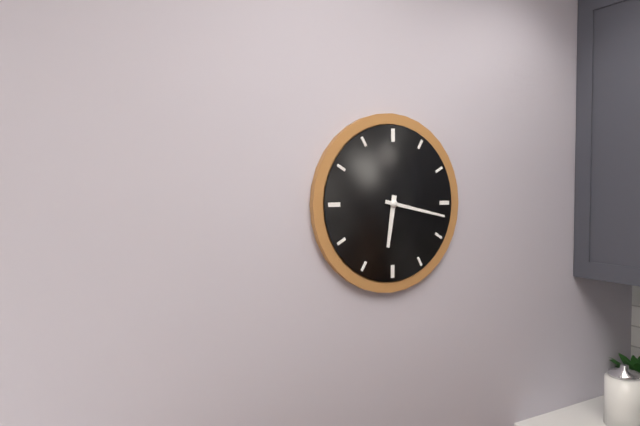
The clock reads **6:17**
